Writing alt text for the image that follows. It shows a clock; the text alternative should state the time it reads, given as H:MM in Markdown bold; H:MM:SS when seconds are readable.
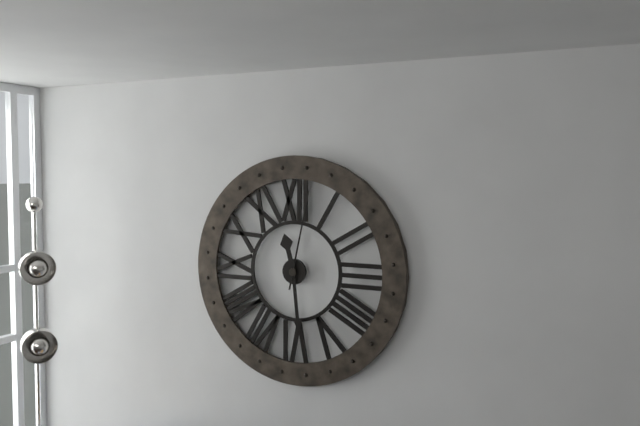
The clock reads **11:29:02**
